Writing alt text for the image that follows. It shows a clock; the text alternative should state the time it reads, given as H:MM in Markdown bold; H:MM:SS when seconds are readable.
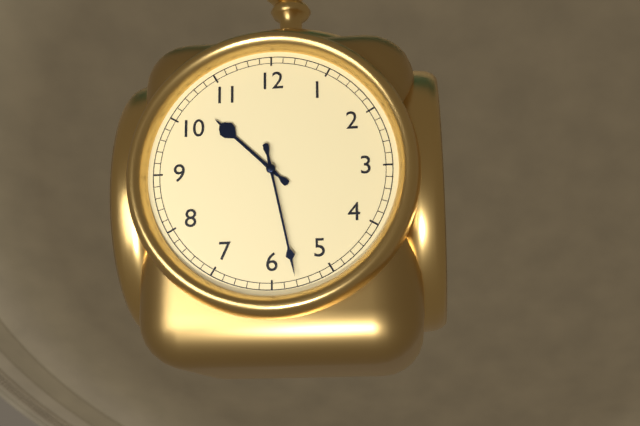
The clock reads **10:28**
